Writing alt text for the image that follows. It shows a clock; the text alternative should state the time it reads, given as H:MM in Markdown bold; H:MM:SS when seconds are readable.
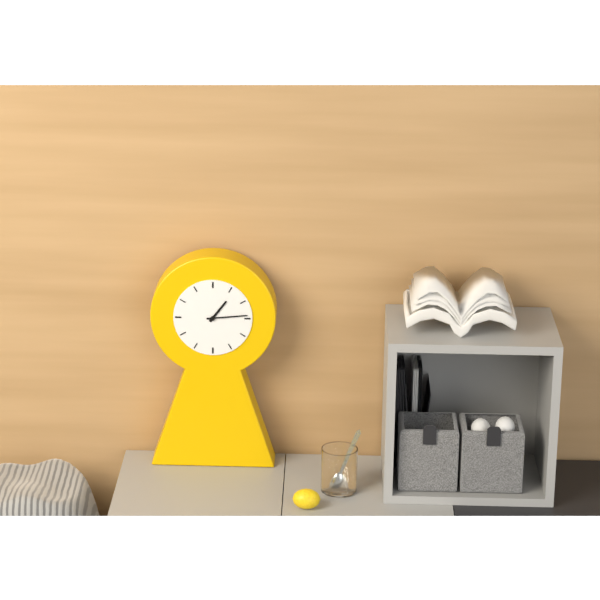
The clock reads **1:14**
